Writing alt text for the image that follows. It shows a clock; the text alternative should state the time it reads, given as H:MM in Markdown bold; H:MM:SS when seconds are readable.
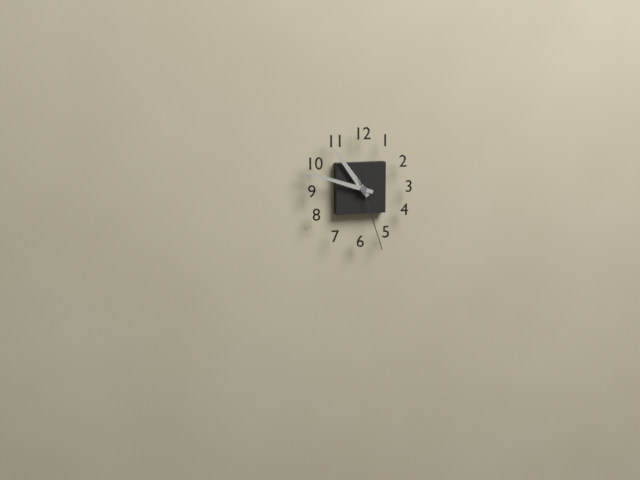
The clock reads **10:48:27**
